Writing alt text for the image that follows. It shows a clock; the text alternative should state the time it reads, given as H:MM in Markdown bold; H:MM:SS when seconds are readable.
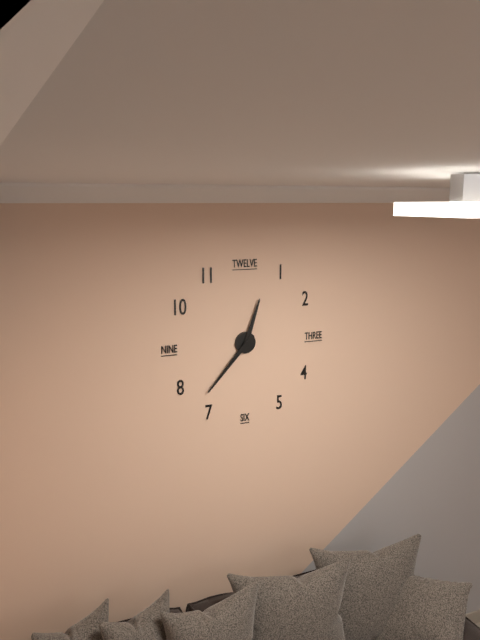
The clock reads **12:37**
